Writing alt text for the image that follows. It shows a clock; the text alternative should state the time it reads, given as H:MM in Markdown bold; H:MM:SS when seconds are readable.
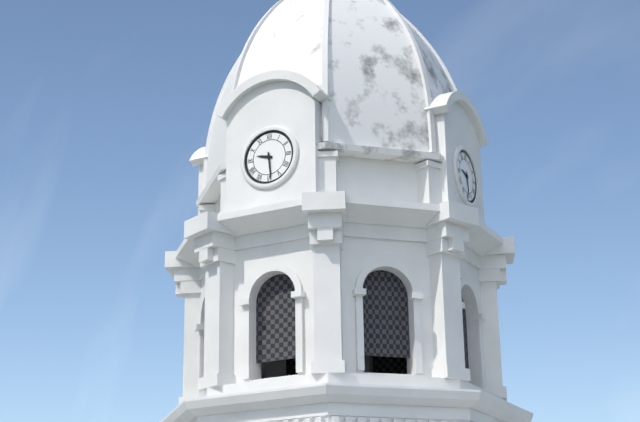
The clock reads **9:29**
